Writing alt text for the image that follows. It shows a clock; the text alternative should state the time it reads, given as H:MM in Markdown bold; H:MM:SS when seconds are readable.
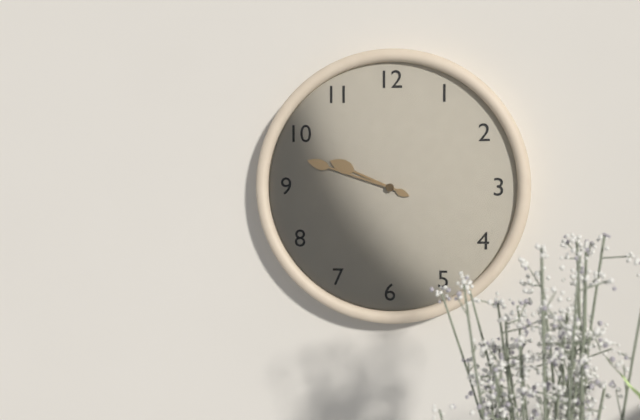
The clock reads **9:48**
